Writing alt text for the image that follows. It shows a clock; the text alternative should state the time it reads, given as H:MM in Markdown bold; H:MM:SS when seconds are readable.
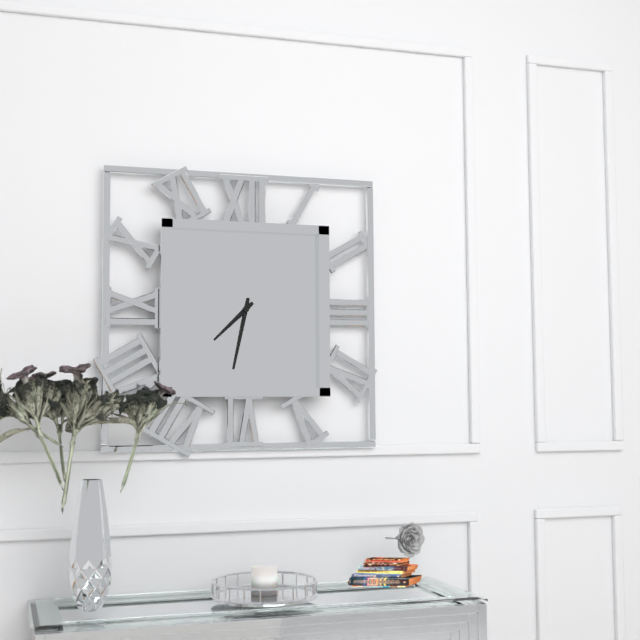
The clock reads **7:32**
